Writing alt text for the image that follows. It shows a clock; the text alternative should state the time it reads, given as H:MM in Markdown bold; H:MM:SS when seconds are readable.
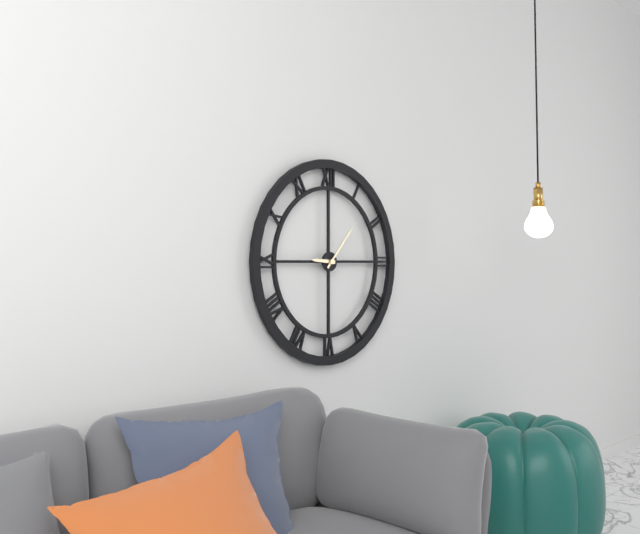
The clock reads **9:07**
